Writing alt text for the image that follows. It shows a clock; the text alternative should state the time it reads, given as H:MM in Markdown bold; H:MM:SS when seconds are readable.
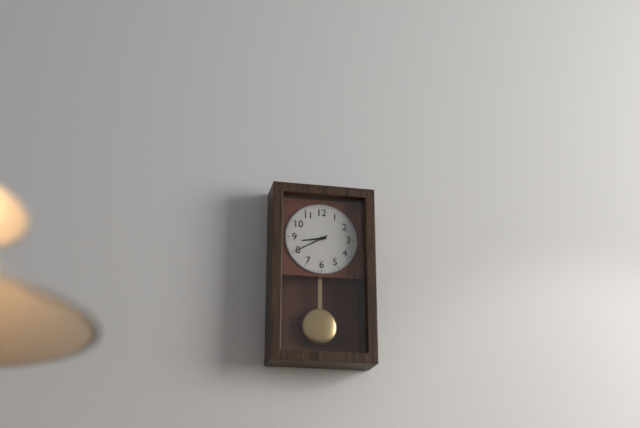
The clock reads **8:40**
